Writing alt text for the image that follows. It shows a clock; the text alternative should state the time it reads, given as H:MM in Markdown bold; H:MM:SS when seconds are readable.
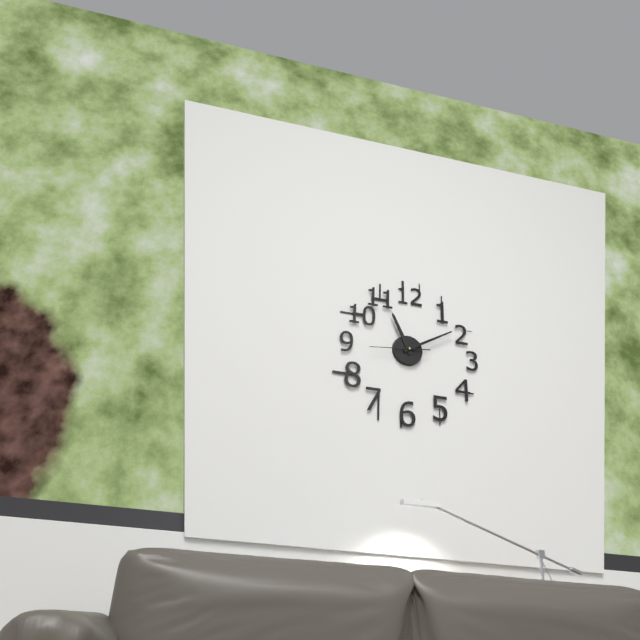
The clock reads **11:10**
